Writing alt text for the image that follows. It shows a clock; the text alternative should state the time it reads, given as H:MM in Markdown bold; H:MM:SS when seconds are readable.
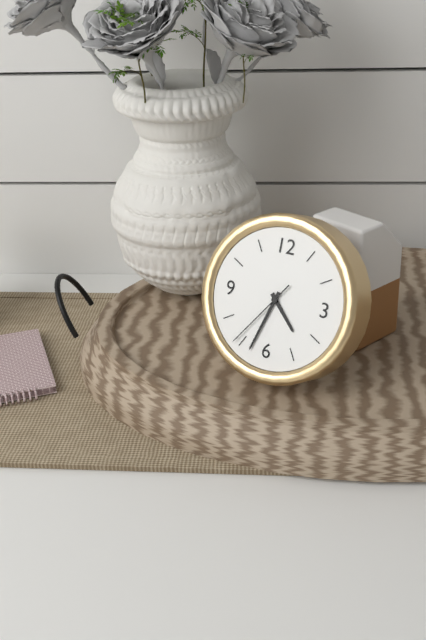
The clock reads **4:33:36**
